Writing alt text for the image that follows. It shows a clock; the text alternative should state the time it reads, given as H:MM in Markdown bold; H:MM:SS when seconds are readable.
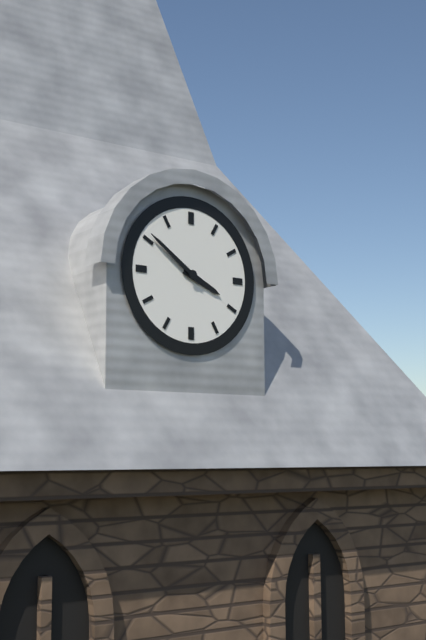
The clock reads **3:51**
